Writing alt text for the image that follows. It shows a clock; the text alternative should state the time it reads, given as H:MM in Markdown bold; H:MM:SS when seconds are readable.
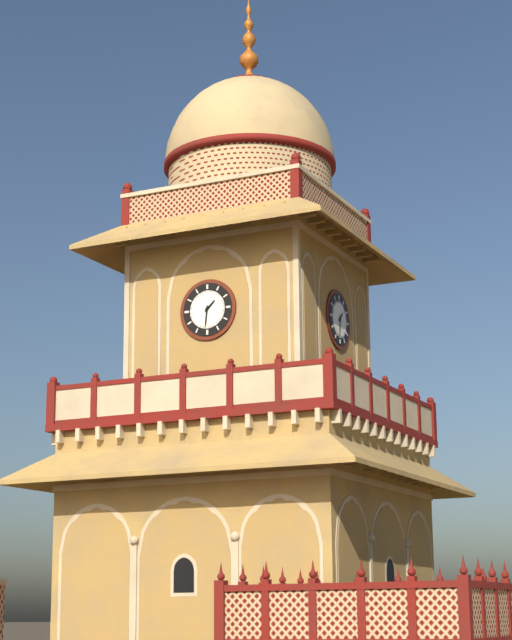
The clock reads **1:31**
